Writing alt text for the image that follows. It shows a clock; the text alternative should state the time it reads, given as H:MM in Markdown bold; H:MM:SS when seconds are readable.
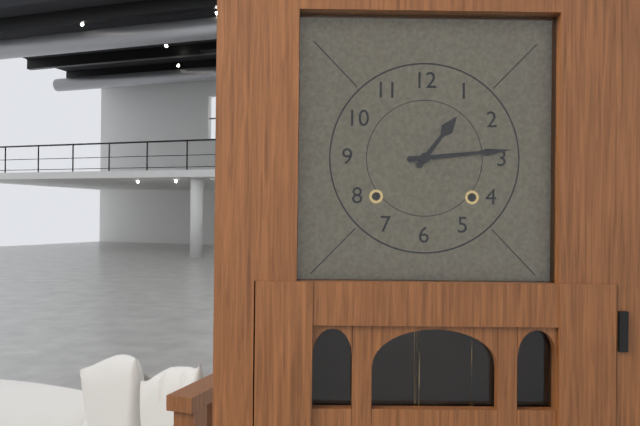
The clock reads **1:14**
